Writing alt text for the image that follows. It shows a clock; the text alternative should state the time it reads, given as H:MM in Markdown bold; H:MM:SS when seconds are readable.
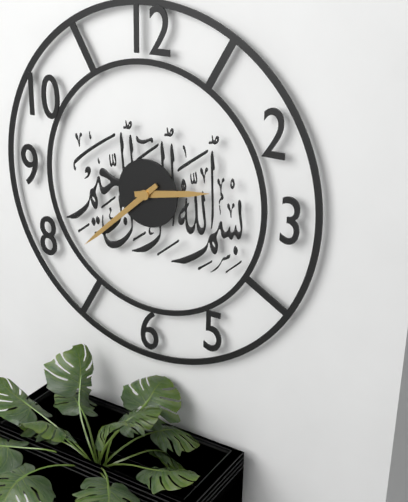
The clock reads **2:38**
